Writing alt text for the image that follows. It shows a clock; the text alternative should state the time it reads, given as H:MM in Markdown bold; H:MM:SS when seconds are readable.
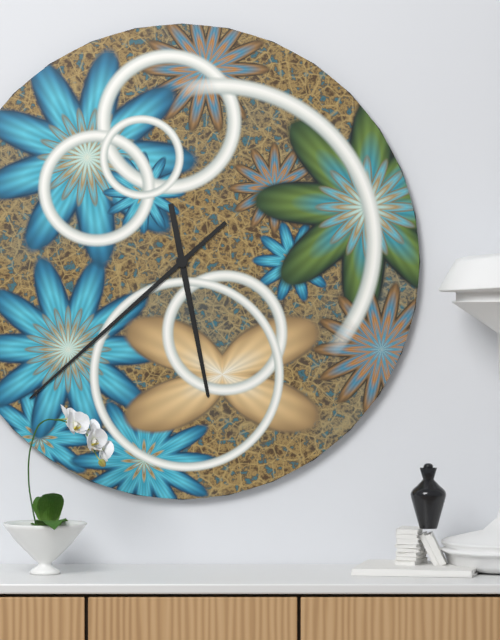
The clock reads **5:38**
